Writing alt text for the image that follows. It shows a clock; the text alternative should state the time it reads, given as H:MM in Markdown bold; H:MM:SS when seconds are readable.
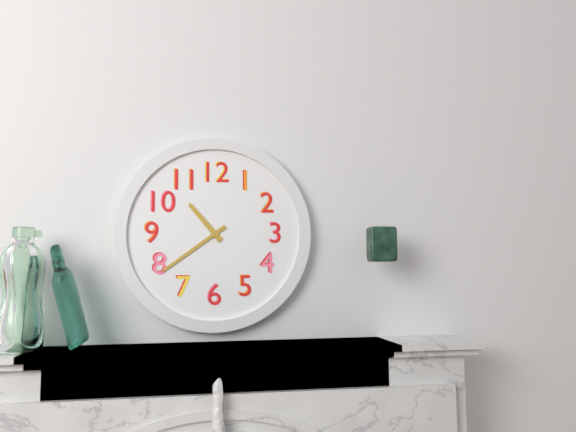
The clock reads **10:39**
